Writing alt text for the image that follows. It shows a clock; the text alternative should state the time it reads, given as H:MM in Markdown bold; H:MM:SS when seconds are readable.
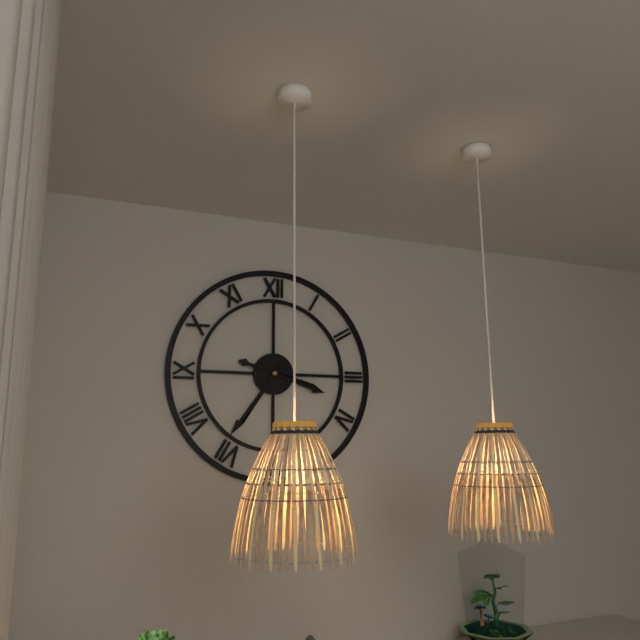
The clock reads **3:36**
